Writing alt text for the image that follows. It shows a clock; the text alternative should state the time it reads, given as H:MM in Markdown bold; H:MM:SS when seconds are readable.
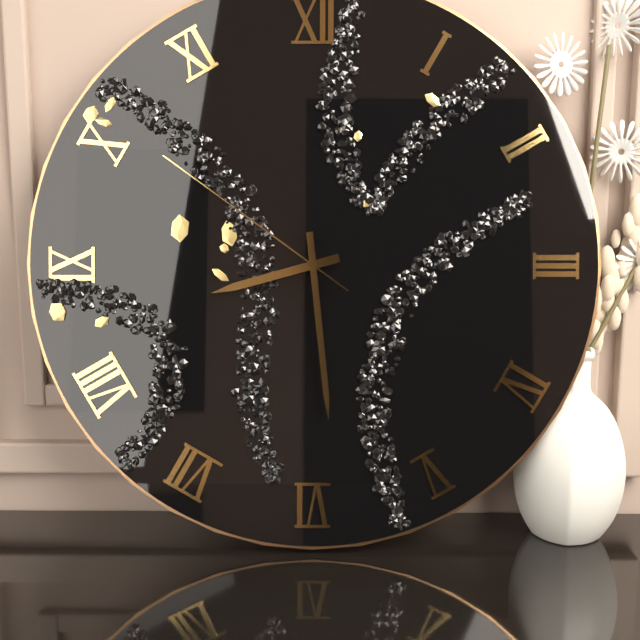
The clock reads **8:29:51**
